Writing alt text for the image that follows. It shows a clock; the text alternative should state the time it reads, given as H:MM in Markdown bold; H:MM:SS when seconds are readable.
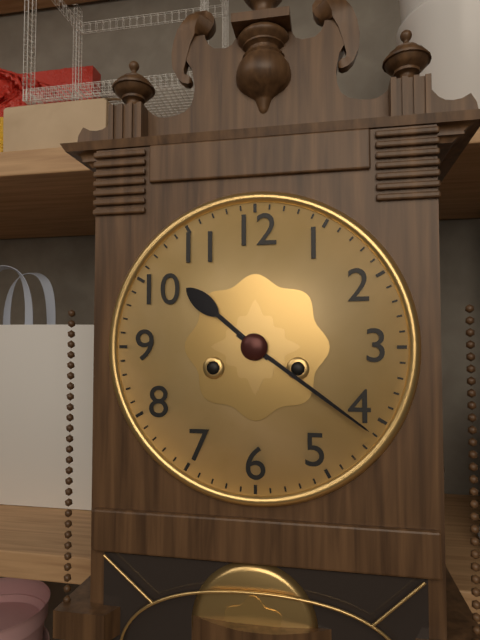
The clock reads **10:21**
